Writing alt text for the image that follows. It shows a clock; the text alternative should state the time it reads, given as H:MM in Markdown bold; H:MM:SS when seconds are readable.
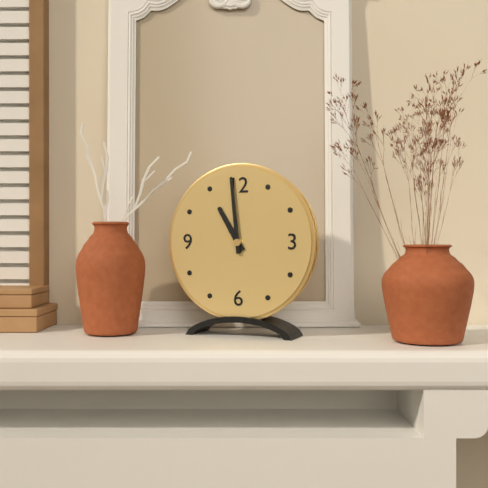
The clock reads **10:59**
